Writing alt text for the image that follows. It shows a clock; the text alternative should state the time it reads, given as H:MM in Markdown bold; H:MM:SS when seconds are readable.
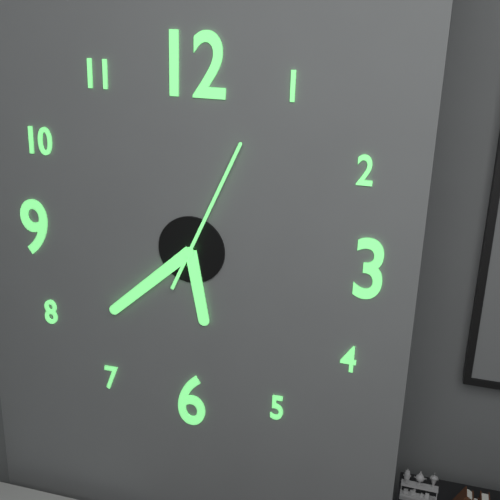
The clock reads **5:38:04**
